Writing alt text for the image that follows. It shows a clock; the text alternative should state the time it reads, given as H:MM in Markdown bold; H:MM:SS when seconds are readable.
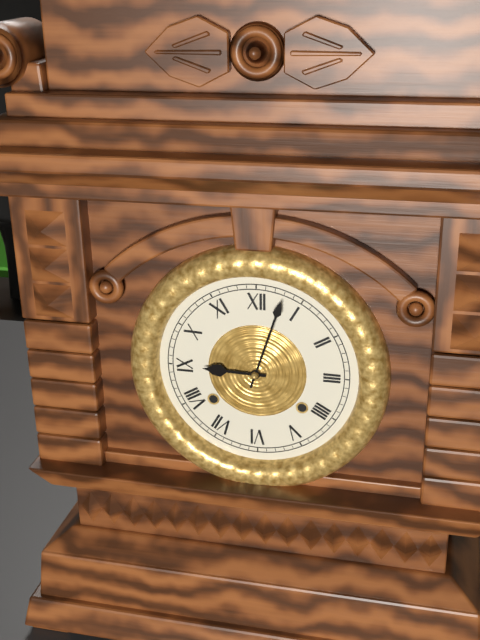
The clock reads **9:03**
